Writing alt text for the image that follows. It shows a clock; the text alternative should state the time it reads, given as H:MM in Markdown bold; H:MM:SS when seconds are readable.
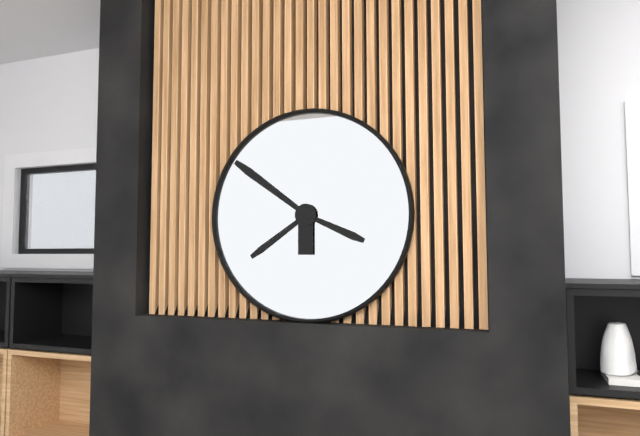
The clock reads **7:51:19**
